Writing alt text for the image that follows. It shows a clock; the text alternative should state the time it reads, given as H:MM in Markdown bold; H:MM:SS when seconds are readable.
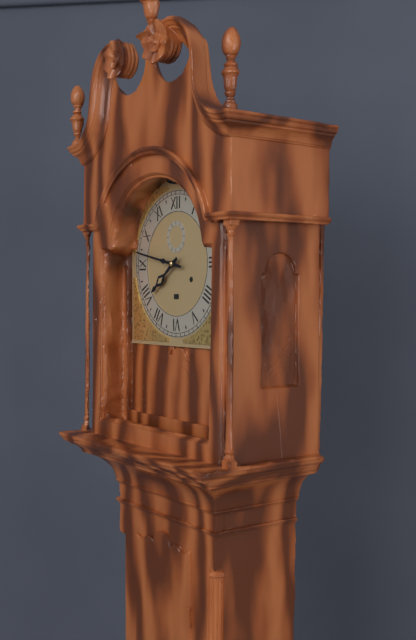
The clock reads **7:47**
